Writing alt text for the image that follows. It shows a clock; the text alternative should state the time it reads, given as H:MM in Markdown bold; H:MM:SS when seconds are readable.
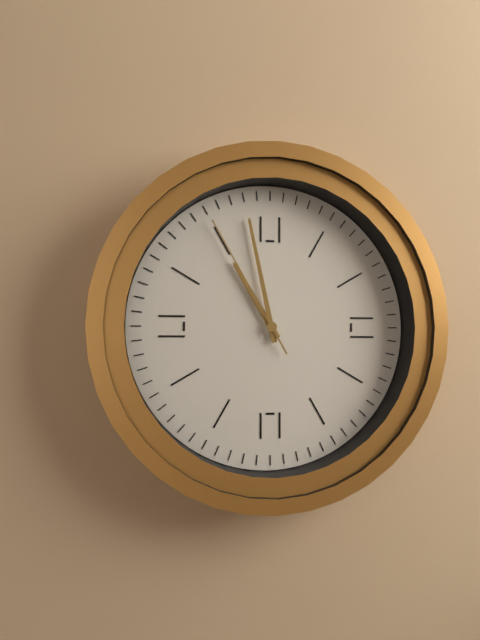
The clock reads **10:58:55**
